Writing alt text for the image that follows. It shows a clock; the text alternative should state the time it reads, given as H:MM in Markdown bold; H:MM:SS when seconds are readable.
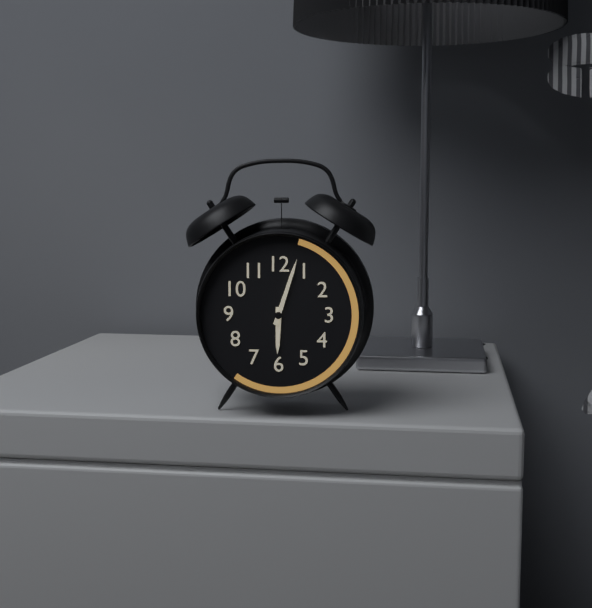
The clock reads **6:03**
